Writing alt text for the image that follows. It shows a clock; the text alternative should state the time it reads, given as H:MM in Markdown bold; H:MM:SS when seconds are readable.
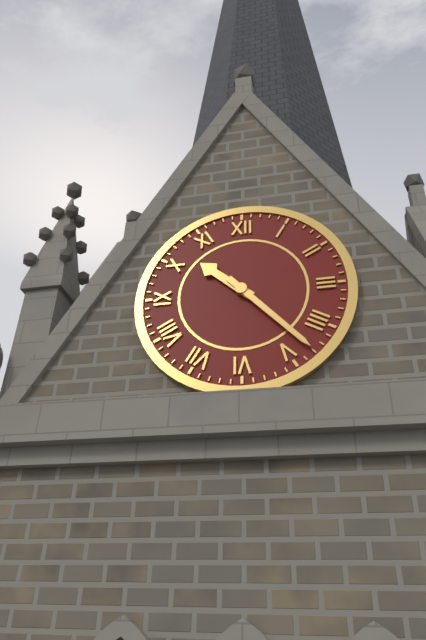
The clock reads **10:23**
